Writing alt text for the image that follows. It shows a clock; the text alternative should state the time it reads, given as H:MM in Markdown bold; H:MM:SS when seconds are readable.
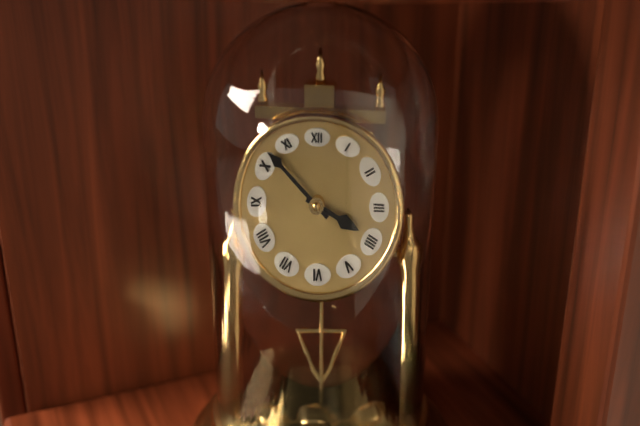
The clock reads **3:52**
